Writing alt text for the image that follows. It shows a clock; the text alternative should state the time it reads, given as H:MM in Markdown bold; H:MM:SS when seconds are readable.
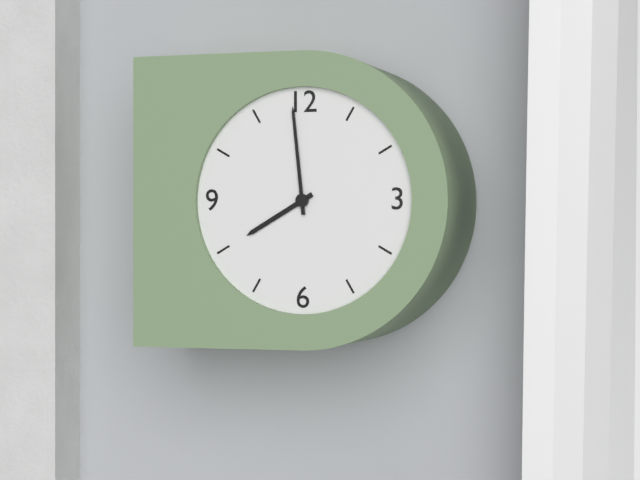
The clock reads **7:59**
